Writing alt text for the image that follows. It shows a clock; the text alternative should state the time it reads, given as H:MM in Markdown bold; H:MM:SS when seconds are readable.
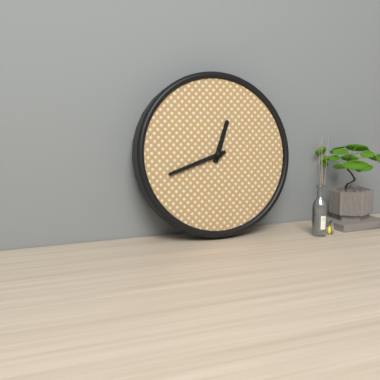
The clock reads **12:42**
